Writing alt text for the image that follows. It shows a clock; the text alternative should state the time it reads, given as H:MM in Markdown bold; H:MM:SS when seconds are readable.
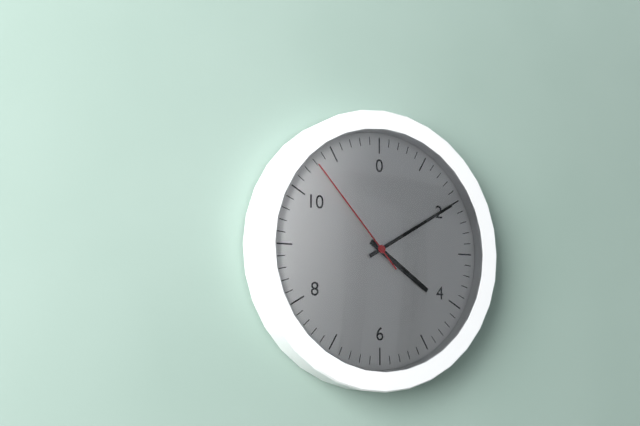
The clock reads **4:10:53**
